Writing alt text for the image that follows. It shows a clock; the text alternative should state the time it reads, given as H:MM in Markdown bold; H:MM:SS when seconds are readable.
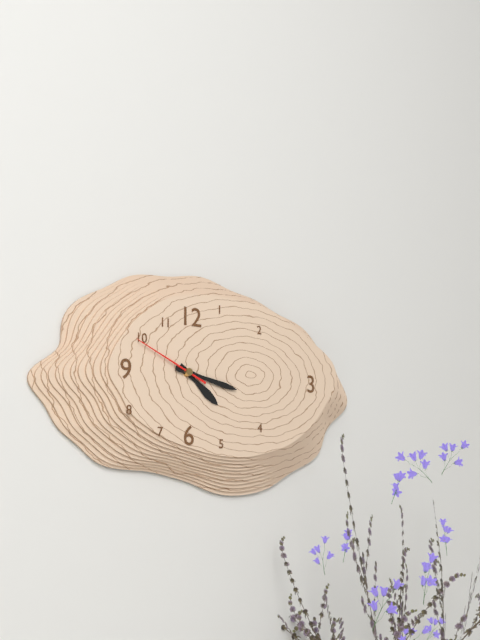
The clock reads **4:17:49**
